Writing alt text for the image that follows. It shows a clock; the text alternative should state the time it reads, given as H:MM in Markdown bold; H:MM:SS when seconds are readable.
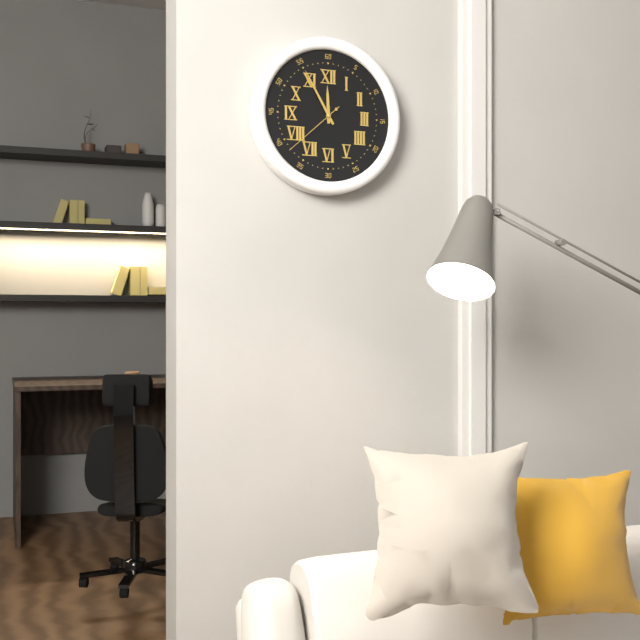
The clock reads **11:55:38**
